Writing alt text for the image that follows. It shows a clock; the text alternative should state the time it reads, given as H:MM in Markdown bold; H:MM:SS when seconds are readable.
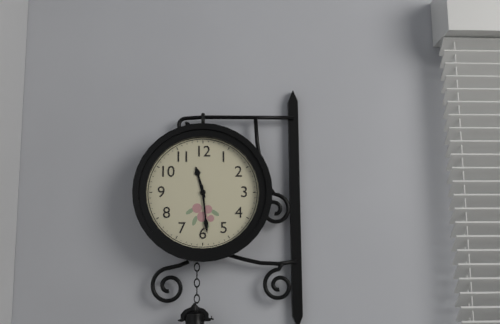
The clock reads **11:29**
